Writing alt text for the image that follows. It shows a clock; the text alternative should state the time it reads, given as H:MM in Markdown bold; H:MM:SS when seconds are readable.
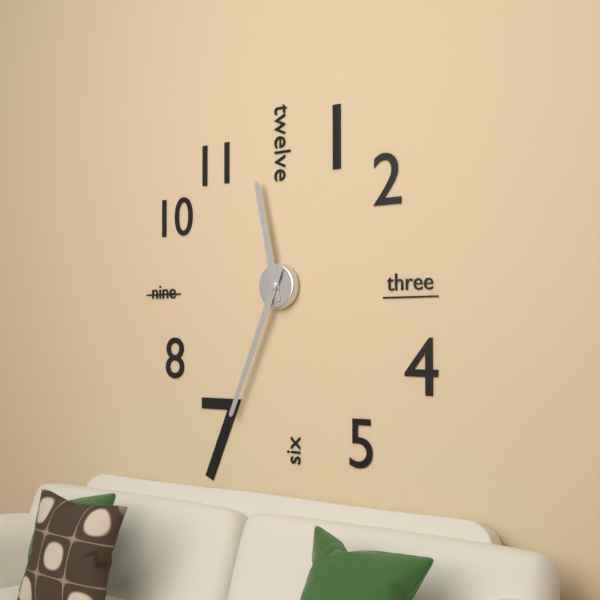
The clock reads **11:34**
